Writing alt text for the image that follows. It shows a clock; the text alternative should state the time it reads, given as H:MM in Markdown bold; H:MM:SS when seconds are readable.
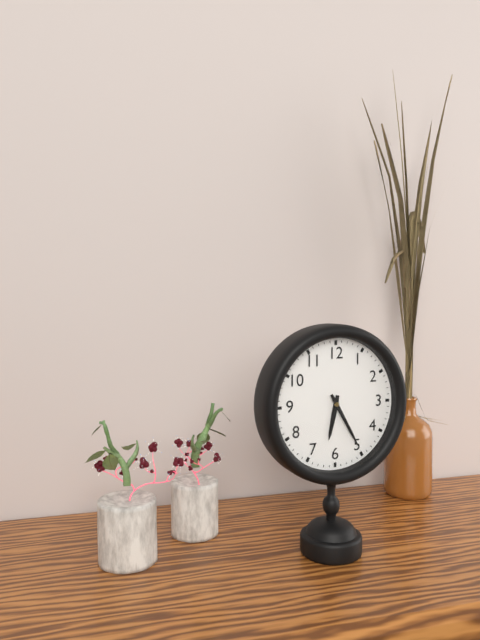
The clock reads **6:25**
